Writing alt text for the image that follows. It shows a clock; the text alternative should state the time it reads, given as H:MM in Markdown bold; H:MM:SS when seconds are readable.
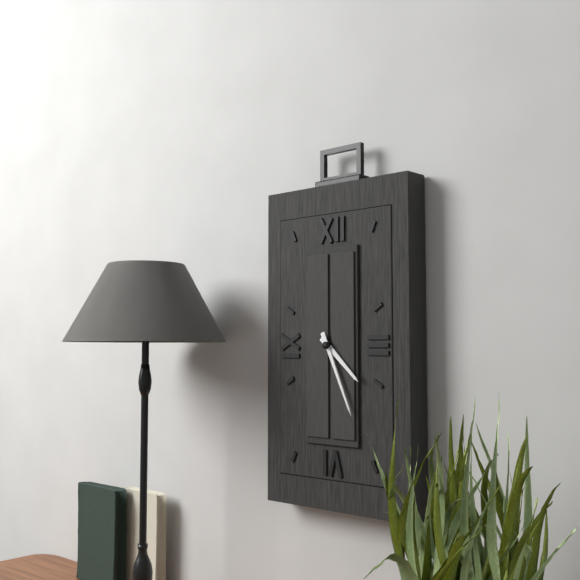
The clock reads **4:26**
